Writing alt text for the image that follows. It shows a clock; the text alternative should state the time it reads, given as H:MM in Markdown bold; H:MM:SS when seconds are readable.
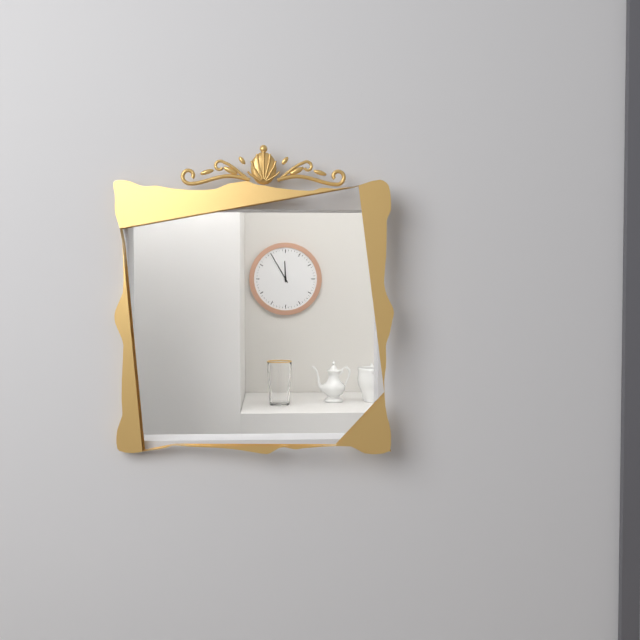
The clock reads **11:55**
